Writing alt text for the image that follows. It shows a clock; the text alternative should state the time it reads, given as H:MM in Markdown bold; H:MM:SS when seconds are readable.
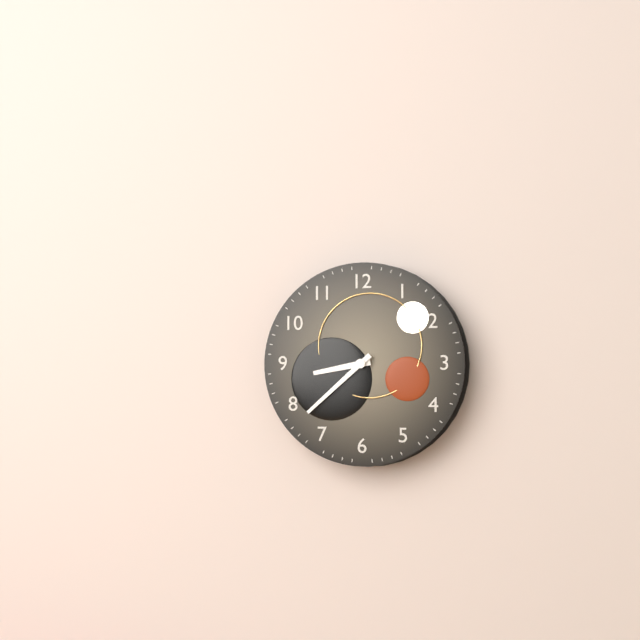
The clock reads **8:38**
